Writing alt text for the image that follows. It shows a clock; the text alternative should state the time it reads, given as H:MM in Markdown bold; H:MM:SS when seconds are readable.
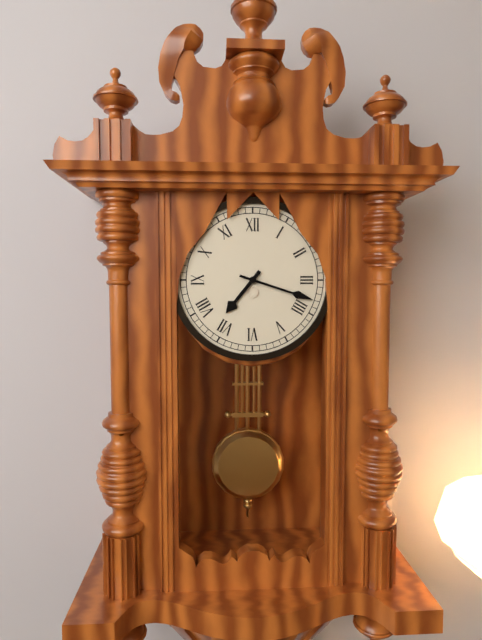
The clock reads **7:18**
